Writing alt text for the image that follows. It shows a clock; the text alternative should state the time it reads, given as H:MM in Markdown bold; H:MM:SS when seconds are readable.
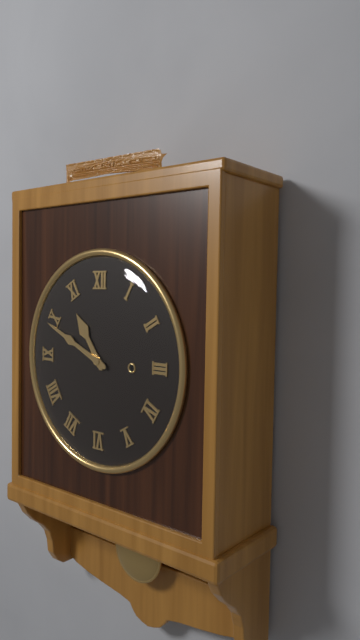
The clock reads **10:49**
